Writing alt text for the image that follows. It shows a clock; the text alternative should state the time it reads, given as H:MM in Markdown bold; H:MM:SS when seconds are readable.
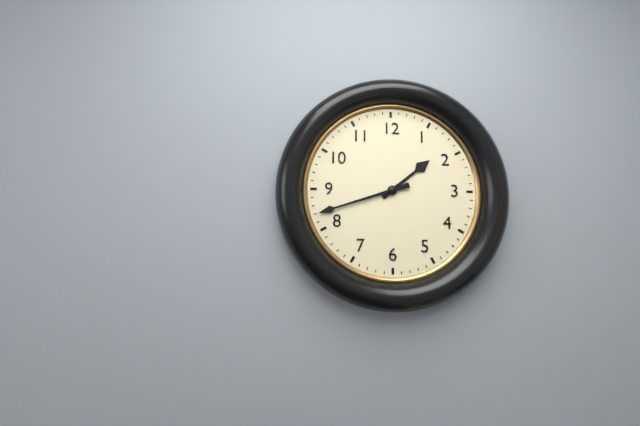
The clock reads **1:42**
